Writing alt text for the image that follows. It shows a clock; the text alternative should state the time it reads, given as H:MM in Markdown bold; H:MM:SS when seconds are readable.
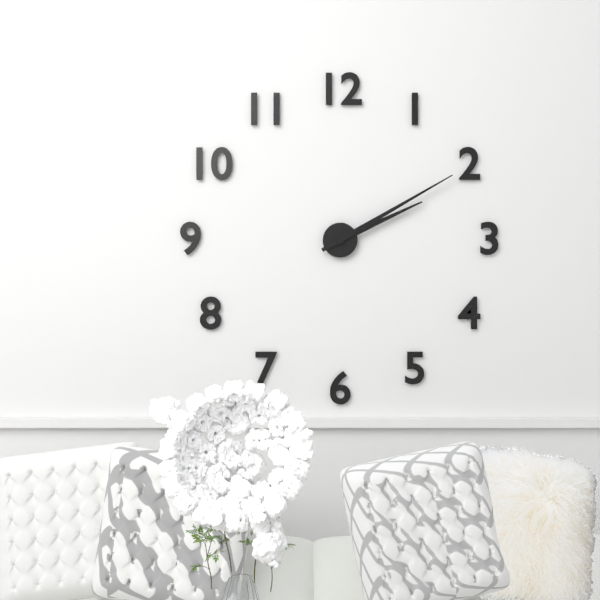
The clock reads **2:10**
